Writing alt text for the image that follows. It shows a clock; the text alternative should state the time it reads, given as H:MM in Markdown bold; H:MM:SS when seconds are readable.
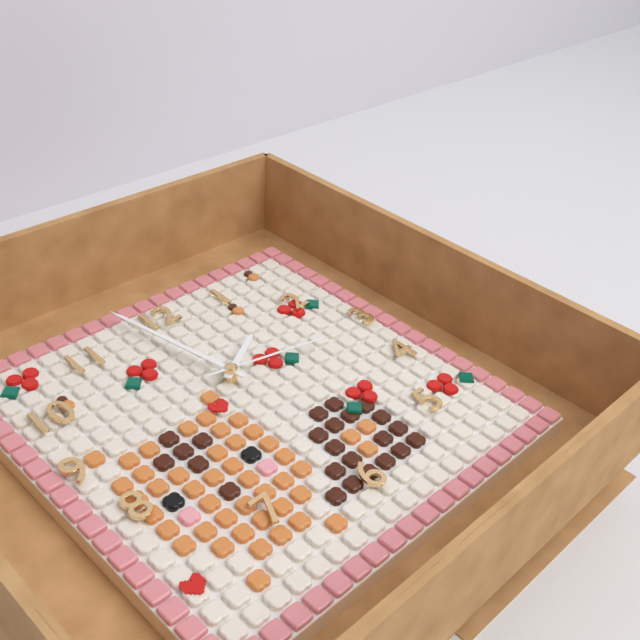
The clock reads **1:58:17**
